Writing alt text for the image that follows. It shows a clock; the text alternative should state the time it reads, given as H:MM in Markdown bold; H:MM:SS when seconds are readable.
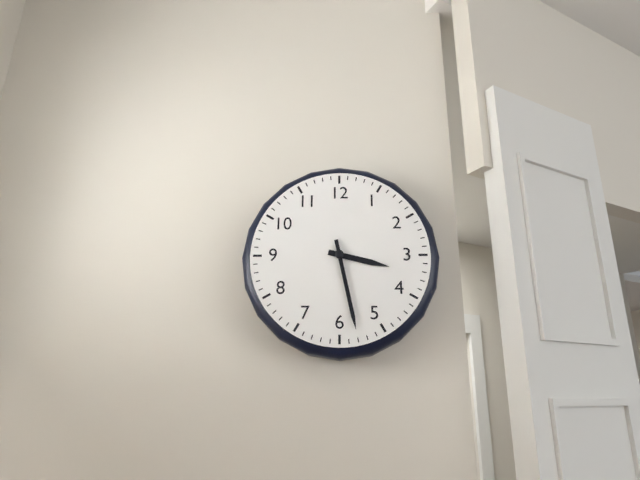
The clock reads **3:28**
